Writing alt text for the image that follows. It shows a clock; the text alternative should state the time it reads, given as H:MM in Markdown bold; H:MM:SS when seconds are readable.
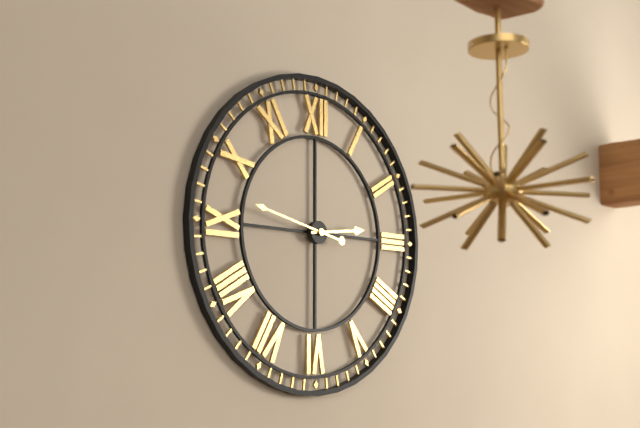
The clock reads **2:47**
